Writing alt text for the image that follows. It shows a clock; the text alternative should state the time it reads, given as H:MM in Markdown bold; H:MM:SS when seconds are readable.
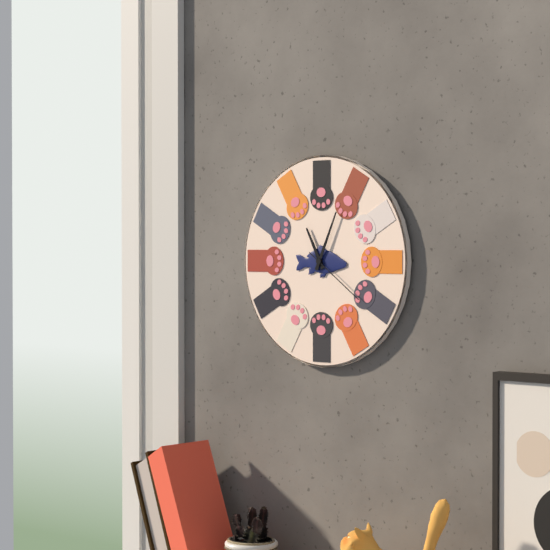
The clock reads **11:04:21**
